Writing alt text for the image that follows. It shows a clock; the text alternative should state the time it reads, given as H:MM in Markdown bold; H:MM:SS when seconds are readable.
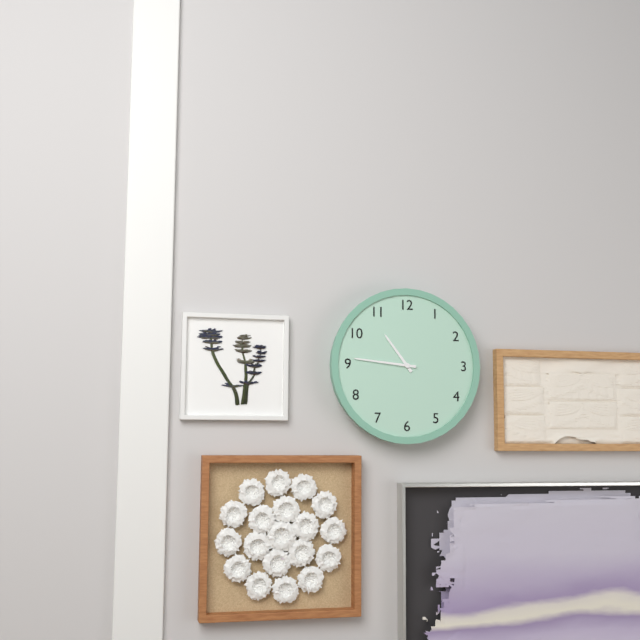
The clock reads **10:46**
